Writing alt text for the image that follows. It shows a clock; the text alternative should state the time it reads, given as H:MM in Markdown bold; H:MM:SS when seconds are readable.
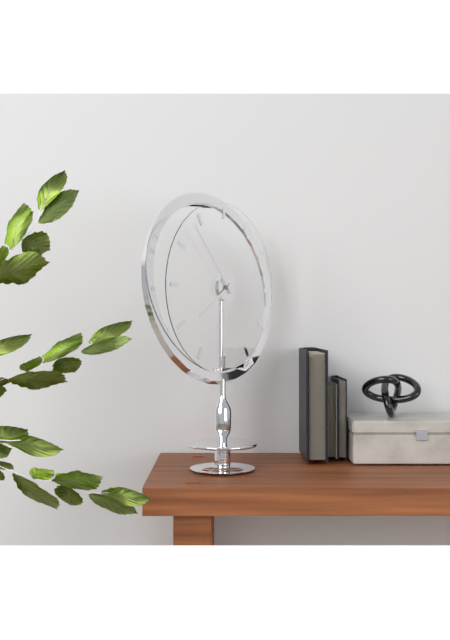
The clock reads **7:53**
